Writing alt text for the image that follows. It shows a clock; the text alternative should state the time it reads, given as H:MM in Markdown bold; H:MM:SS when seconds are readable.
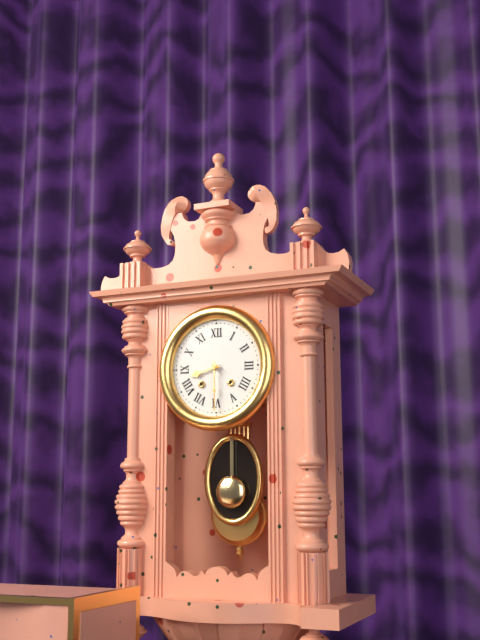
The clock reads **8:30**
